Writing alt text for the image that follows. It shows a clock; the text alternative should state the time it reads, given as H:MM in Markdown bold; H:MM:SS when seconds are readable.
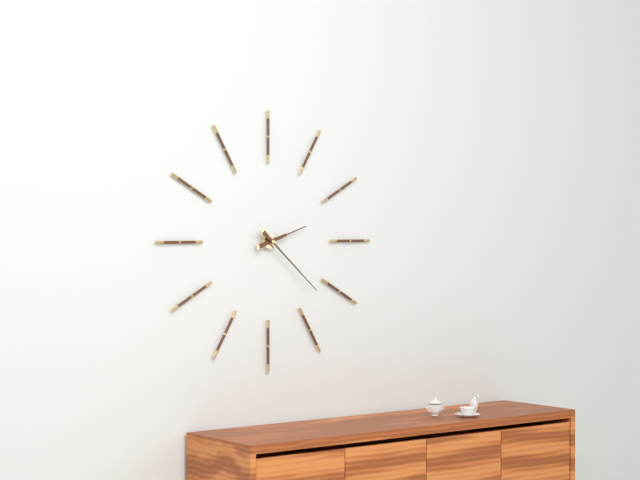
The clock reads **2:22**
